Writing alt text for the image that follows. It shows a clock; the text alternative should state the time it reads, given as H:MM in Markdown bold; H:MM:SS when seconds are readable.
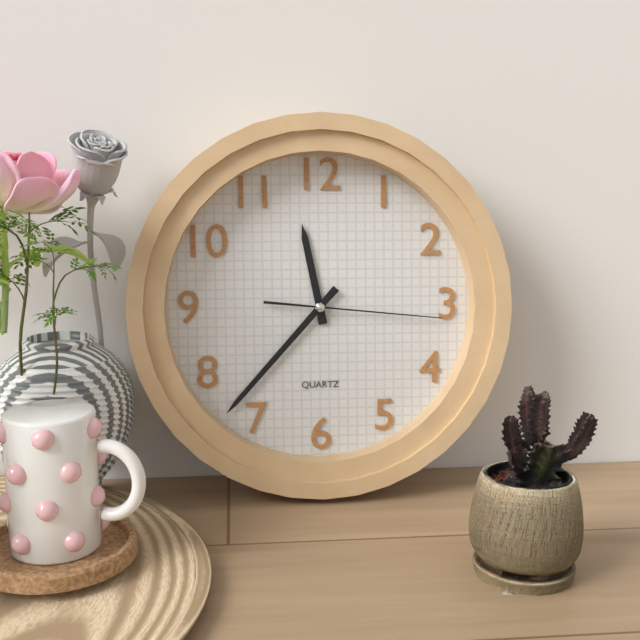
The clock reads **11:37:16**
